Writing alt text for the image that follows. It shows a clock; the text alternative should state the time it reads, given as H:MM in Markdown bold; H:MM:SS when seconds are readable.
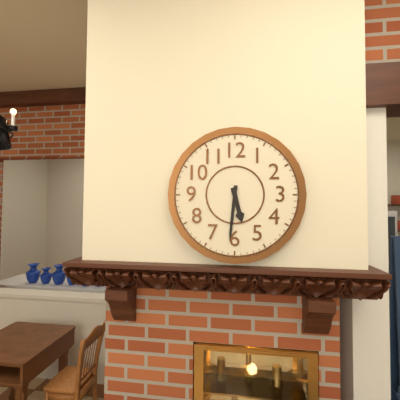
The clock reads **5:31**
